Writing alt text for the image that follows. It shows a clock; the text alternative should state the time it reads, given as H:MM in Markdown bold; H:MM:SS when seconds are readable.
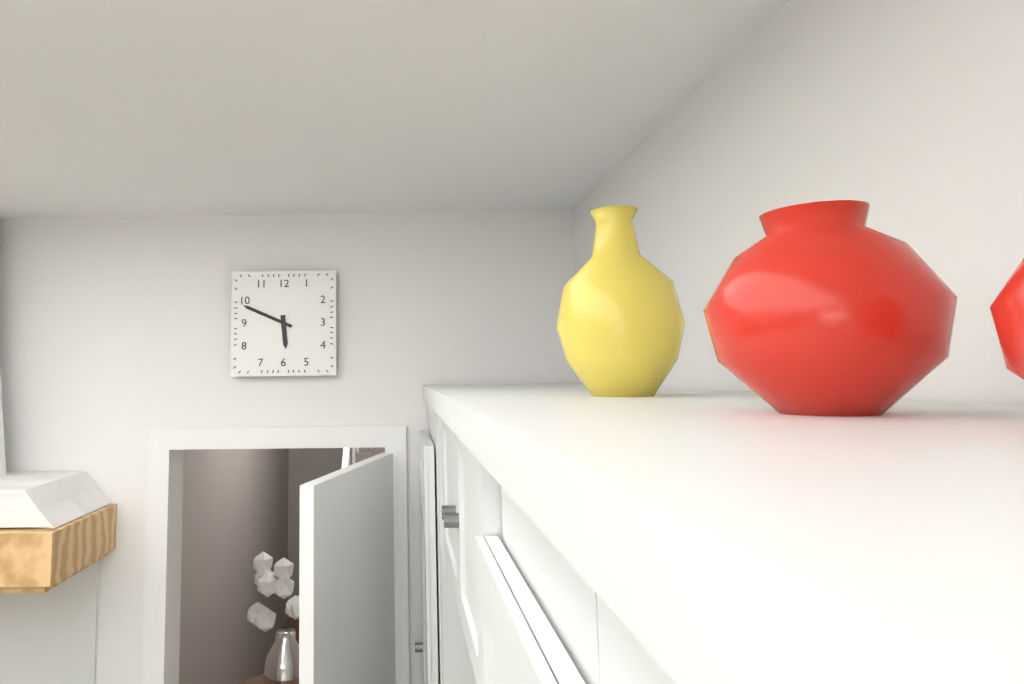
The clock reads **5:49**
